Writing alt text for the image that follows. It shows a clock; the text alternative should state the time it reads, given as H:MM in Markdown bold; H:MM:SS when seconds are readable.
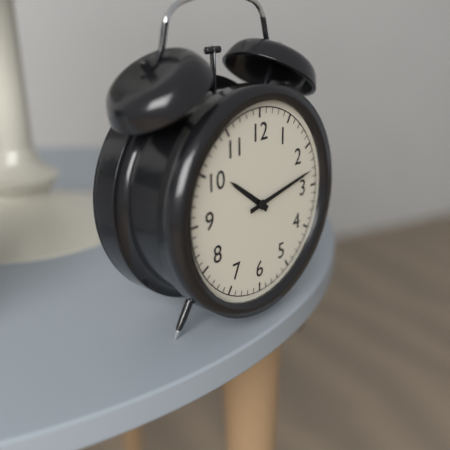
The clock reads **10:13**
